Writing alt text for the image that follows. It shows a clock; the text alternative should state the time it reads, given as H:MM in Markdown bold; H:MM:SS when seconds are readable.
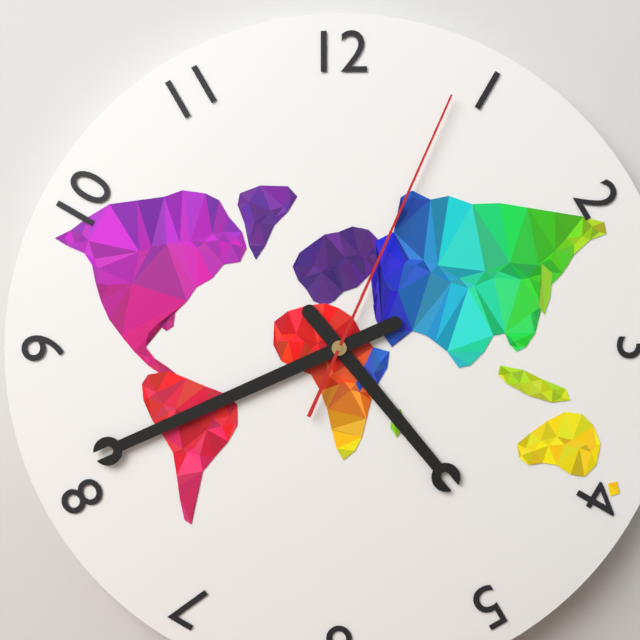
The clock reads **4:41:04**
